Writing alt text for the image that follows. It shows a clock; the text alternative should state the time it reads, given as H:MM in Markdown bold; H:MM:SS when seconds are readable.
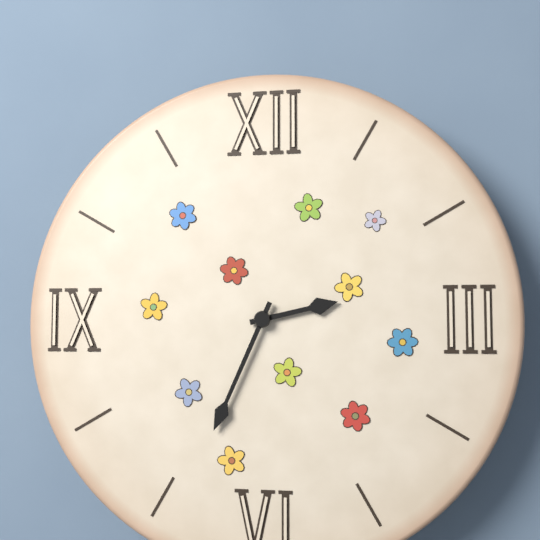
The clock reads **2:34**
